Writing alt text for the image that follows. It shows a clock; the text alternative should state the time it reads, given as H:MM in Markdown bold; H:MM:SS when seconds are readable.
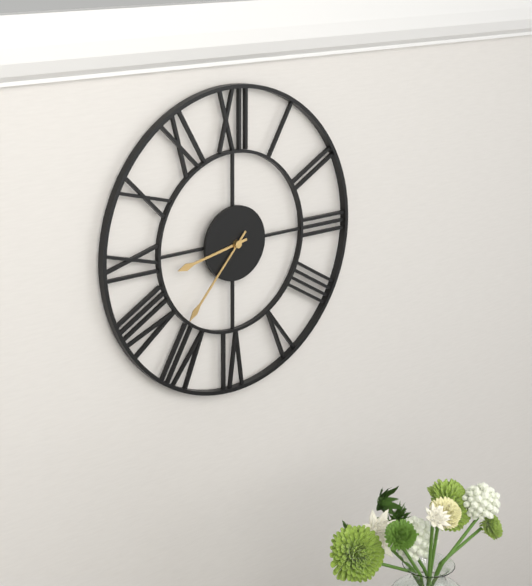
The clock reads **8:37**
